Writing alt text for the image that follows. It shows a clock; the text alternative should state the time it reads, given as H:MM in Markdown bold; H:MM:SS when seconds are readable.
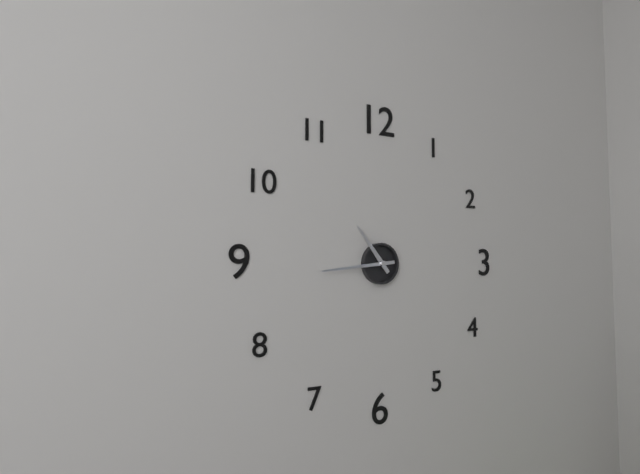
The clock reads **10:44**
